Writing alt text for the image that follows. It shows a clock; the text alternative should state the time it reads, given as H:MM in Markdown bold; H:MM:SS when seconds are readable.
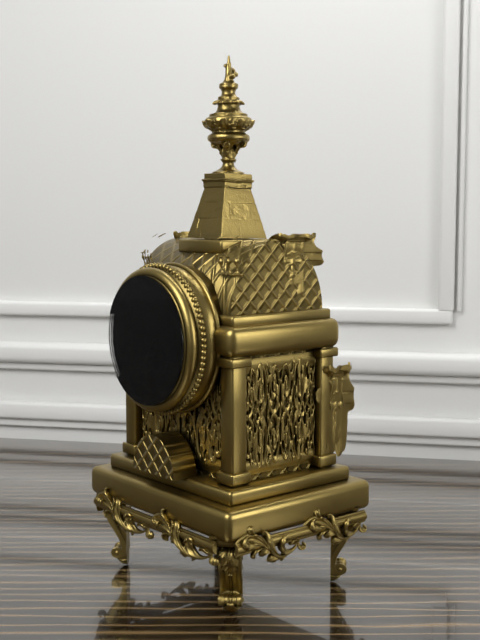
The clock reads **10:20**
